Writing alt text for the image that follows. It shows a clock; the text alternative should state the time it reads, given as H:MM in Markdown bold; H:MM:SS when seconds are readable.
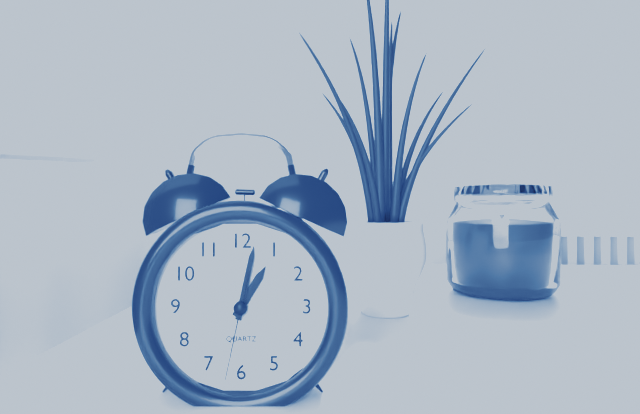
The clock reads **1:02:32**
